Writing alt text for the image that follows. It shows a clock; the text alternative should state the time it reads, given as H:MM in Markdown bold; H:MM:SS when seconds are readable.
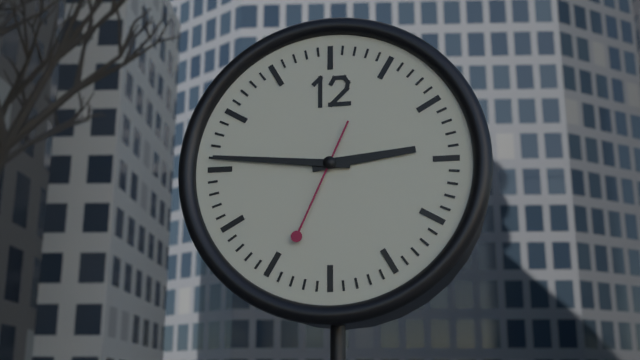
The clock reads **2:46:34**
